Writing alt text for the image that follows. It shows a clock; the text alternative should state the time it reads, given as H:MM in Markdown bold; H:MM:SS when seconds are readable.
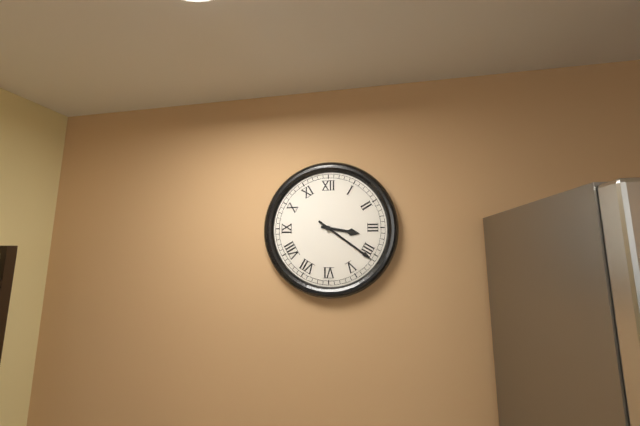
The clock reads **3:21**
